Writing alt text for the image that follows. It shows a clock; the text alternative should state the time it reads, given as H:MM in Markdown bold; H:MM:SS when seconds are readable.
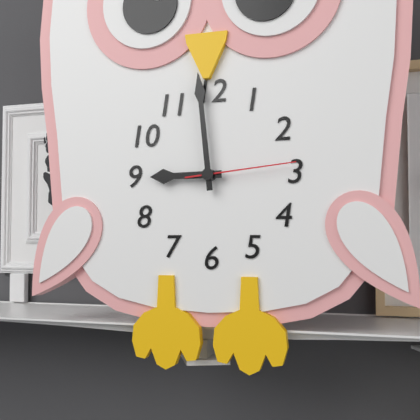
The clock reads **8:59:14**
